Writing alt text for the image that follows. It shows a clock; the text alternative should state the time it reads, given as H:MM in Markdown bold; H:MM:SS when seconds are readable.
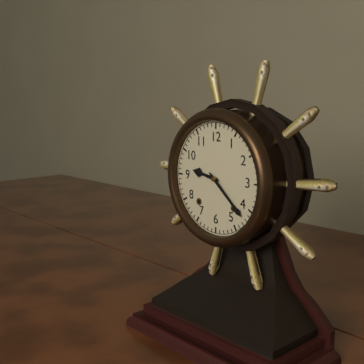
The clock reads **9:22**
